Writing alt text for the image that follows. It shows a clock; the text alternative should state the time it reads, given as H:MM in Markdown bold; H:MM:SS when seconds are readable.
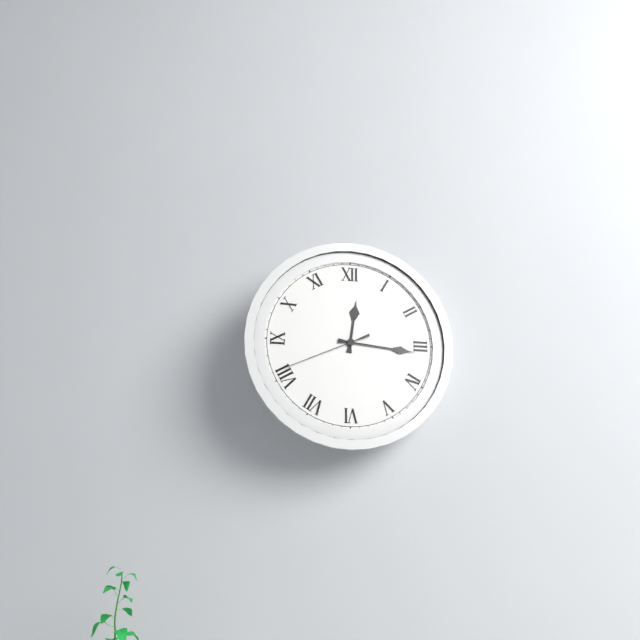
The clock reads **12:16:41**
